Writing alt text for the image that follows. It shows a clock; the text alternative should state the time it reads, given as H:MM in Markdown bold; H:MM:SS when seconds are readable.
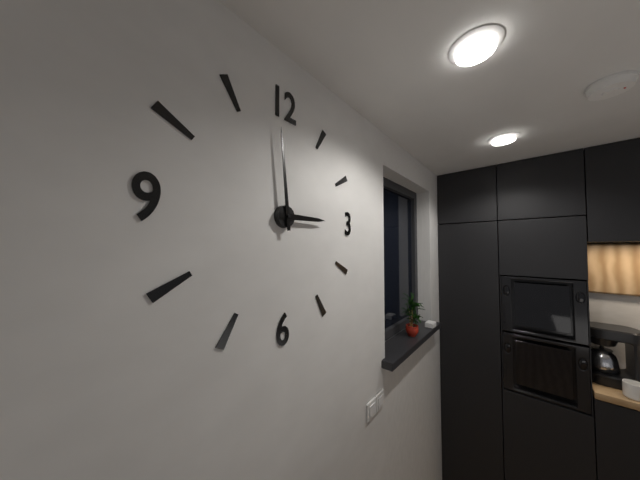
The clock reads **2:59**
